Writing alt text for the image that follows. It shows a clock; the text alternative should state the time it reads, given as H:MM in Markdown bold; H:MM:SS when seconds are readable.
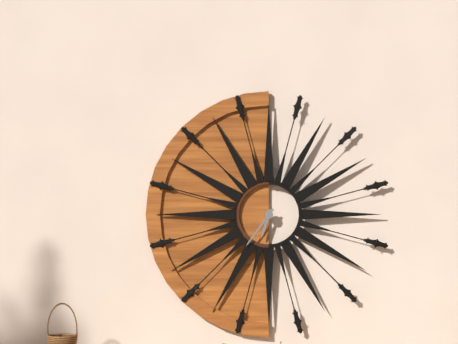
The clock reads **6:36**
